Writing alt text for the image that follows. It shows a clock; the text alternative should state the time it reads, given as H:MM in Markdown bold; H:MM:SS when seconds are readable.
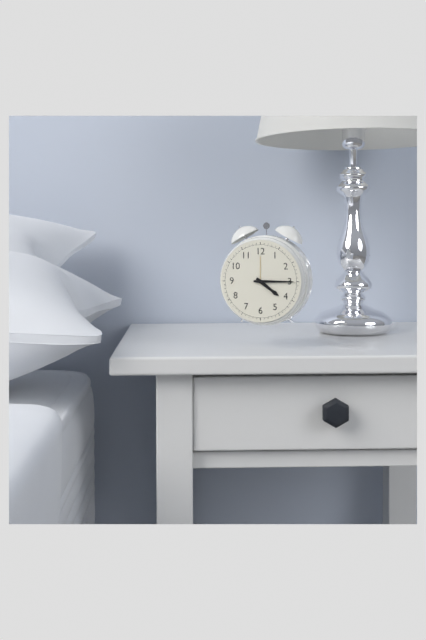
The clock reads **4:15**
